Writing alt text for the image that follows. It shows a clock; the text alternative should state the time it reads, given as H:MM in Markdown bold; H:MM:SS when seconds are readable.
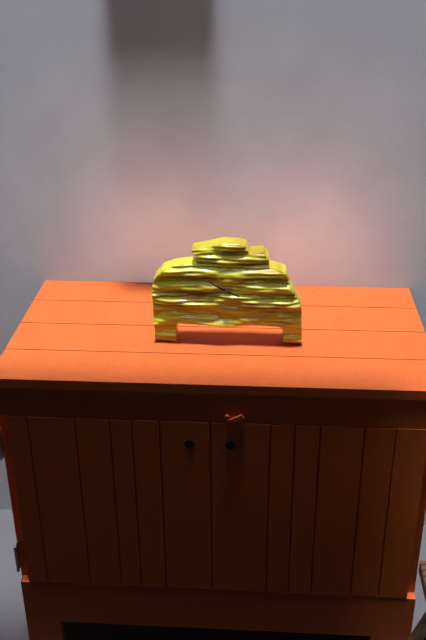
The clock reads **3:50**
